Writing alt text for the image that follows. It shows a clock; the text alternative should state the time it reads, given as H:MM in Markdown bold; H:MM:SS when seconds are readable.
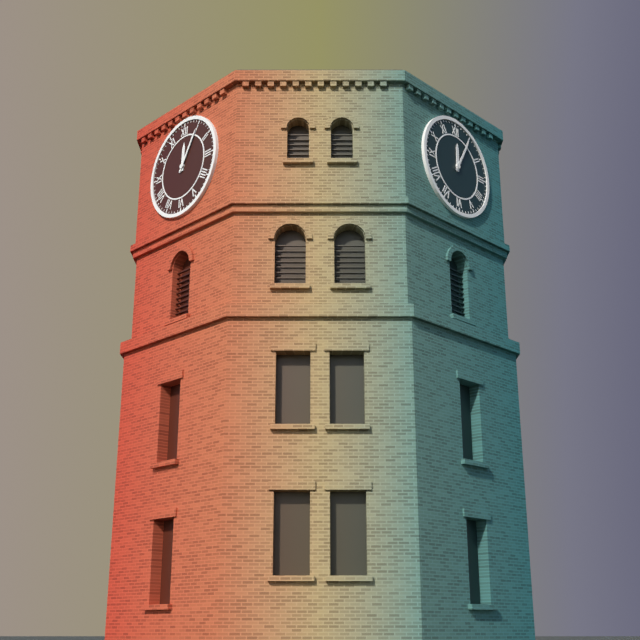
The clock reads **12:05**
